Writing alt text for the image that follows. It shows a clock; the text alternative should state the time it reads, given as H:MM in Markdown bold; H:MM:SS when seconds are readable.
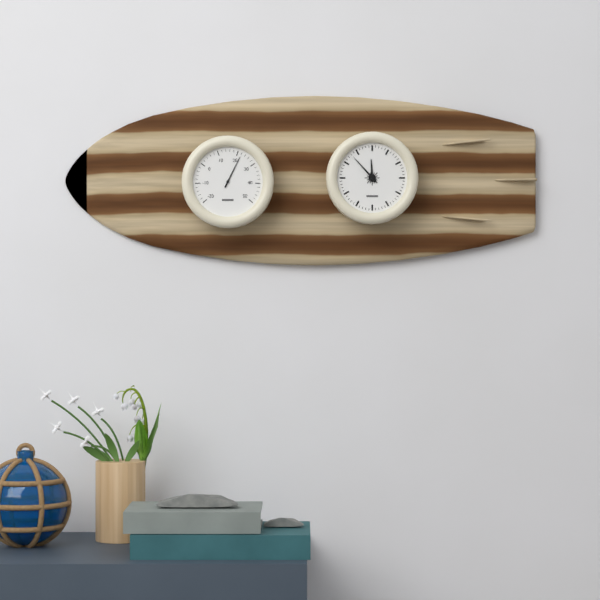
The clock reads **11:53**
